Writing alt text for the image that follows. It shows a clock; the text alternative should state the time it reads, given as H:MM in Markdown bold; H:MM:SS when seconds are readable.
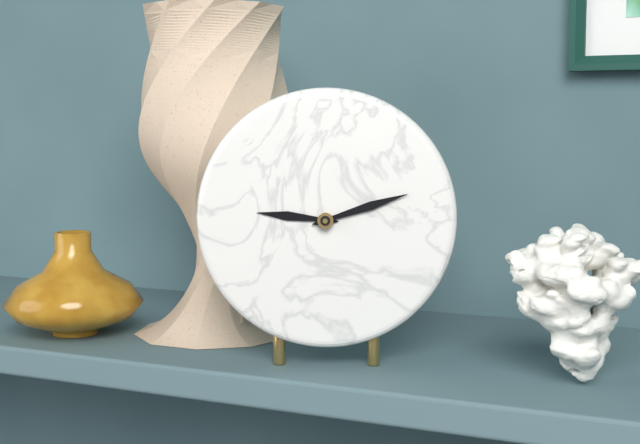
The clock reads **9:12**
